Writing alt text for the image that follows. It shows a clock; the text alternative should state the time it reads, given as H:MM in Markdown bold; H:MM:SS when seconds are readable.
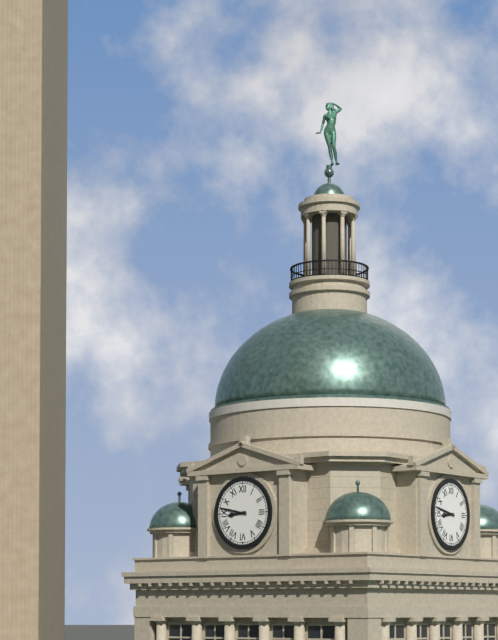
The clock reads **8:47**
